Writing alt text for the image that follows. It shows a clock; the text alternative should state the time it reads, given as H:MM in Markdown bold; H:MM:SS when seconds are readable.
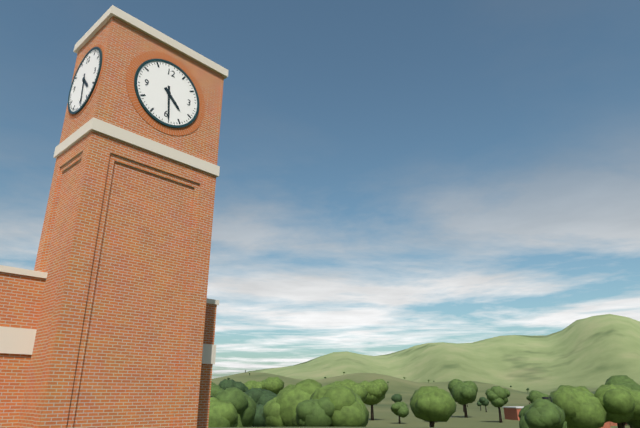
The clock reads **4:29**
